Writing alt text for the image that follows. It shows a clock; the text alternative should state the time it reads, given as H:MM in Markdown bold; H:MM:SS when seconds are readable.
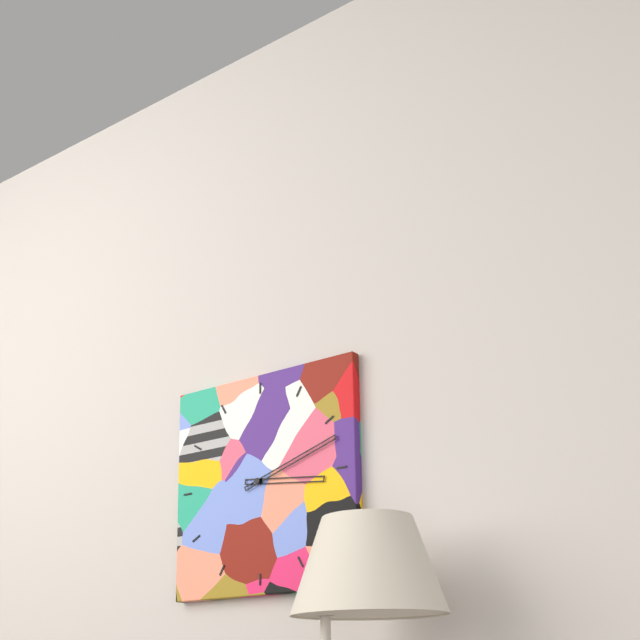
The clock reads **3:12**
